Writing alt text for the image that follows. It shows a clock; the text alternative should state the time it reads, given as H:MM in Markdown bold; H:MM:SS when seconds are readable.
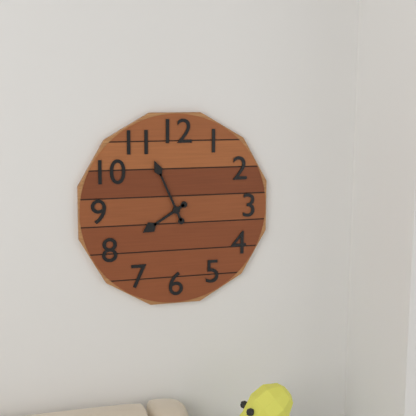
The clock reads **7:56**
